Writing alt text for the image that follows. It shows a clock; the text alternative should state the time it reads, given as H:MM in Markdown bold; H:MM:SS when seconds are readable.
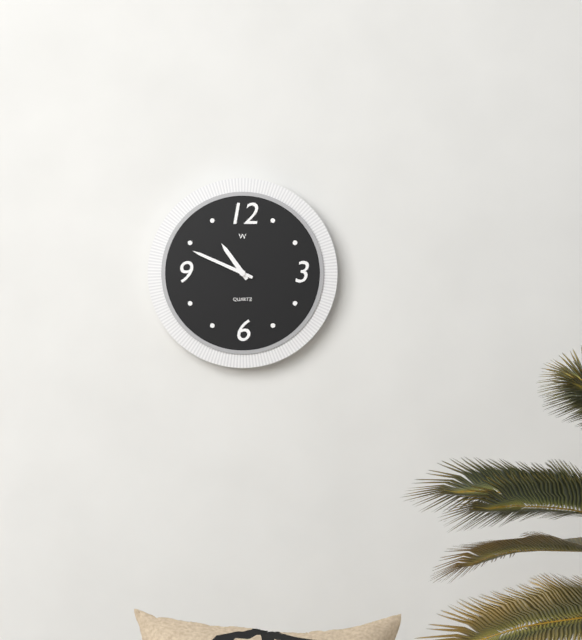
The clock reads **10:49**
